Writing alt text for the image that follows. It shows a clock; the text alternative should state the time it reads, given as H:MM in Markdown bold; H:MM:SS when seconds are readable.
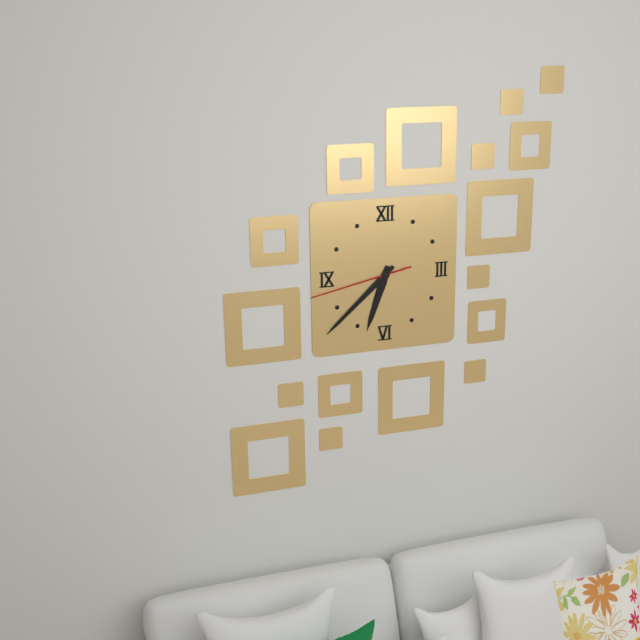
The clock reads **6:38:43**
